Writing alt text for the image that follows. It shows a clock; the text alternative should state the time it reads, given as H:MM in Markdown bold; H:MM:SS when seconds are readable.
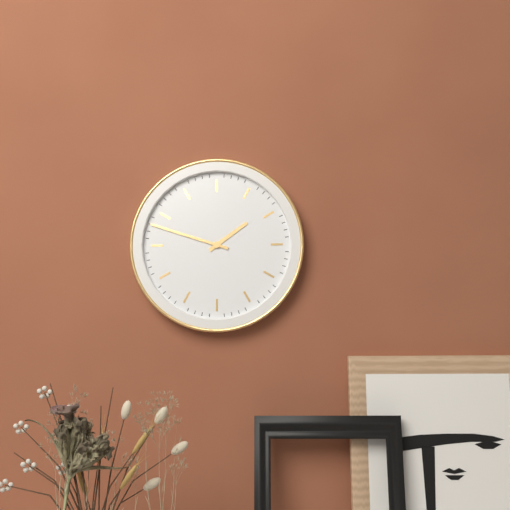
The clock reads **1:48**
